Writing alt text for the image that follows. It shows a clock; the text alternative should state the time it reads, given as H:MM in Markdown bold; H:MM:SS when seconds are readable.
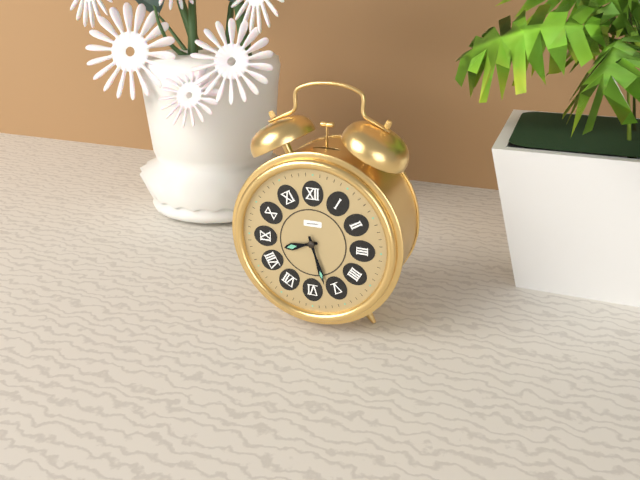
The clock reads **8:27**
